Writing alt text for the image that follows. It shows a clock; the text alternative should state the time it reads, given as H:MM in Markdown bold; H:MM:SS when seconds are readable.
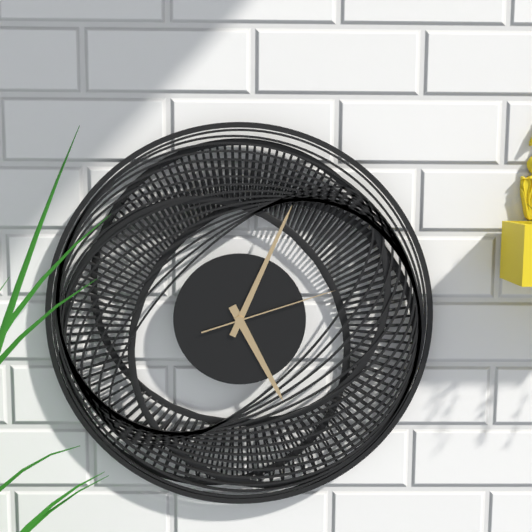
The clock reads **5:04:12**
